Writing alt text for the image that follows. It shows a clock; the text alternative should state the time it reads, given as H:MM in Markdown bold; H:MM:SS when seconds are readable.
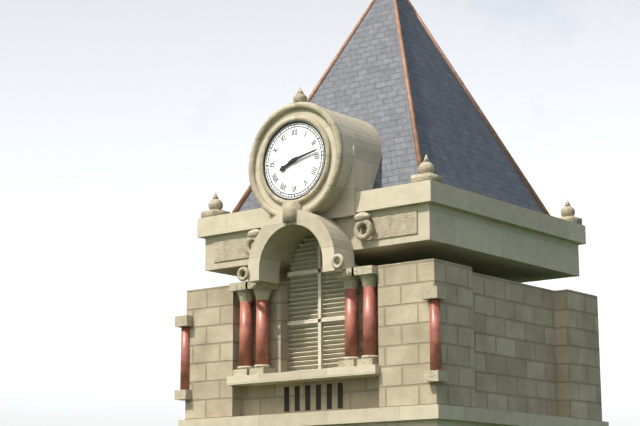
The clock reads **8:13**
